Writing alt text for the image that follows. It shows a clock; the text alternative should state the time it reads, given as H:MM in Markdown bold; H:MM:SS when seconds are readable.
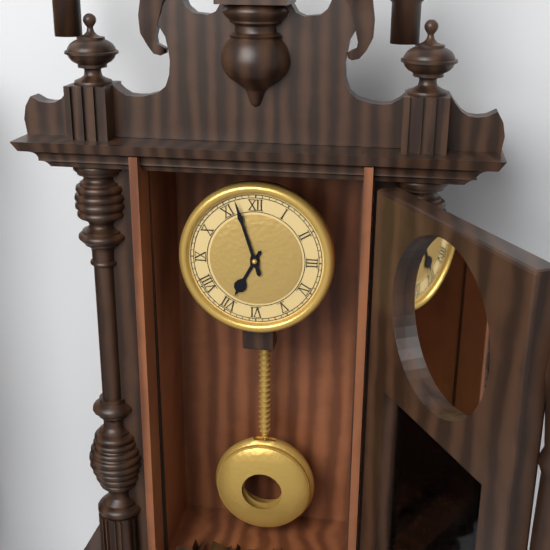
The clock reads **6:57**
